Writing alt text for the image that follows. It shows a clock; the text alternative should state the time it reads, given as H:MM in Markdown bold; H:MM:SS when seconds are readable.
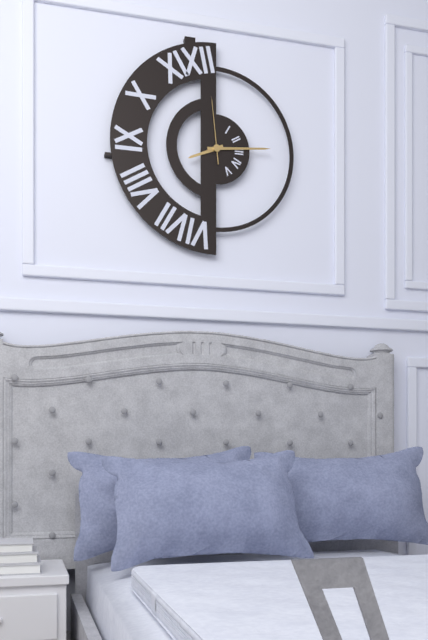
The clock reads **8:14:59**
